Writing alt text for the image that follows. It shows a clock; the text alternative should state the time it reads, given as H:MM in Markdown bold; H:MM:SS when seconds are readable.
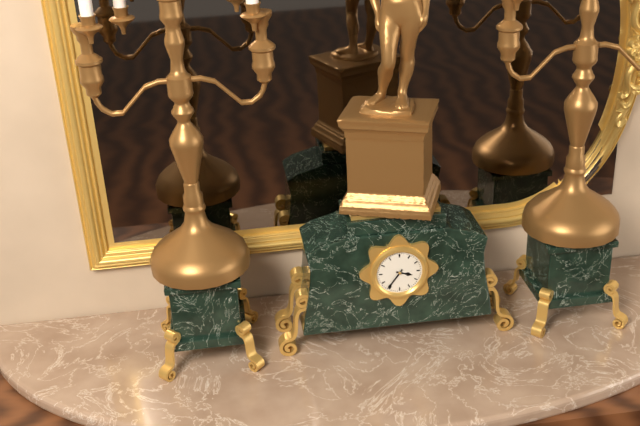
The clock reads **3:36**
